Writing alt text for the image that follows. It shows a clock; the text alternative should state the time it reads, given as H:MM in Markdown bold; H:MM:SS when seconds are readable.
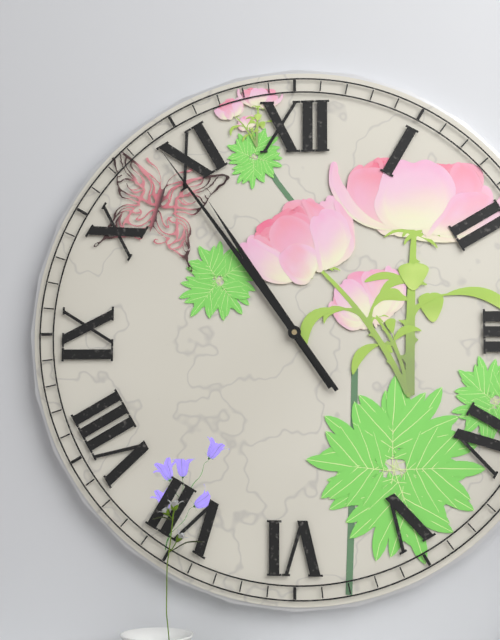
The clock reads **10:54**
